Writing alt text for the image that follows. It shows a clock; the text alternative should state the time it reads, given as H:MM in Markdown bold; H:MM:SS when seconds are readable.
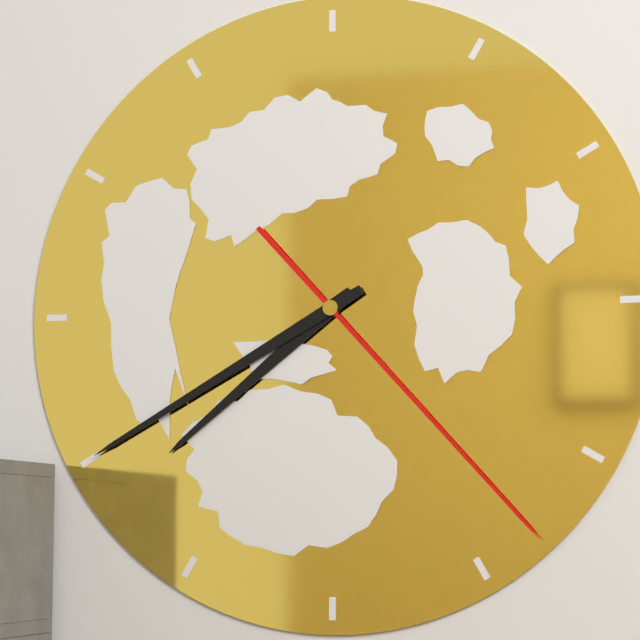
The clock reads **7:40:23**
